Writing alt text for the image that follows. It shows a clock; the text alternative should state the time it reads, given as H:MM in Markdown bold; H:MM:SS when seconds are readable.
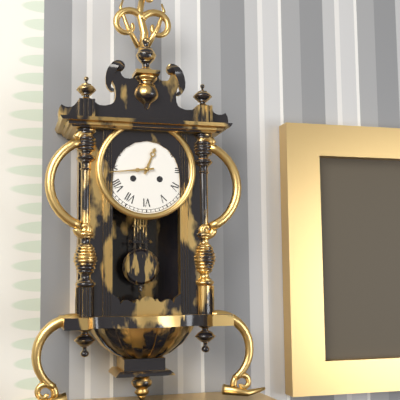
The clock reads **12:44**
